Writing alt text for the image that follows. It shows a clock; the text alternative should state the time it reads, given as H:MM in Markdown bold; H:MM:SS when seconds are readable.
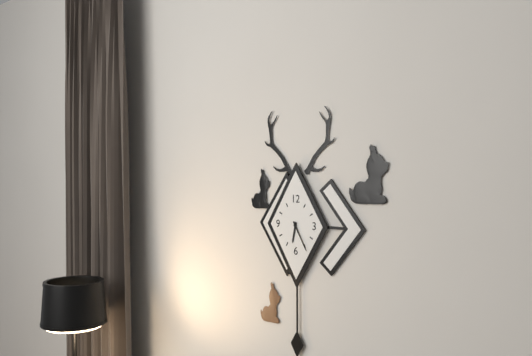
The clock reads **6:25**
